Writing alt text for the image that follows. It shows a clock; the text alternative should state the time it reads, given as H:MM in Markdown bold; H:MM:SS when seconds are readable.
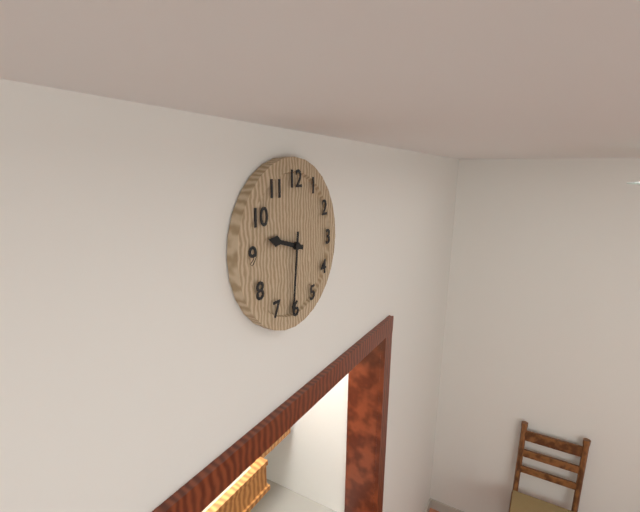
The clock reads **9:31**
